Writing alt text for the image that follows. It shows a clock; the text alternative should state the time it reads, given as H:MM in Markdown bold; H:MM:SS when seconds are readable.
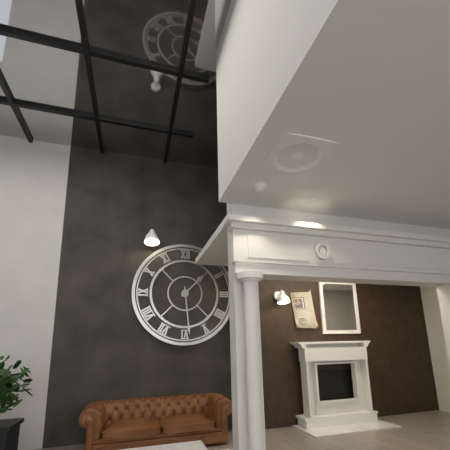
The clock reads **1:29**
